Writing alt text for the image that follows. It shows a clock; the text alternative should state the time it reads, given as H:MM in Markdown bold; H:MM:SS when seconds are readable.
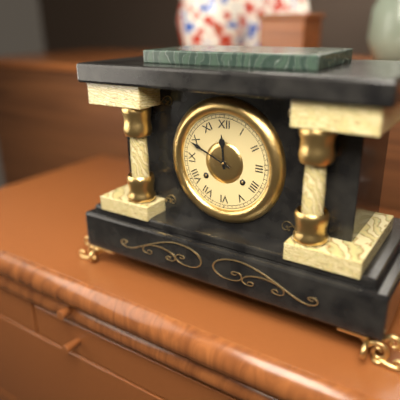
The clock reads **11:49**
